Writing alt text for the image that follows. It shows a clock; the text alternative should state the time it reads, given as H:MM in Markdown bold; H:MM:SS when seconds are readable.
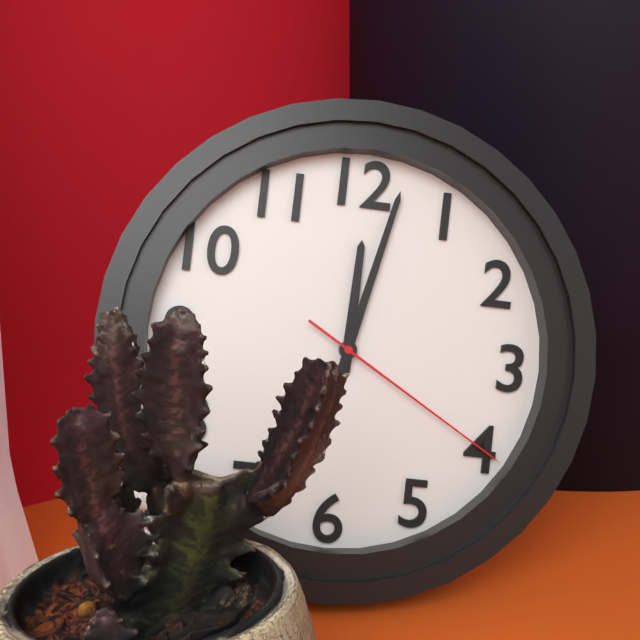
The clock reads **12:02:20**
